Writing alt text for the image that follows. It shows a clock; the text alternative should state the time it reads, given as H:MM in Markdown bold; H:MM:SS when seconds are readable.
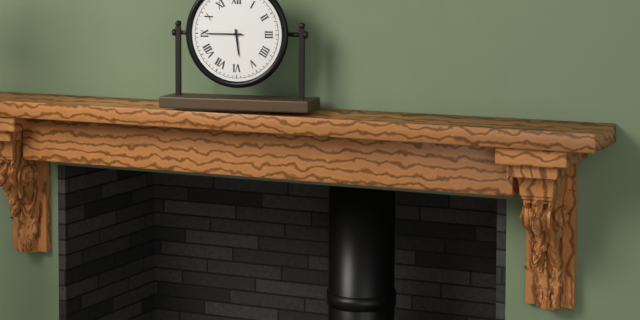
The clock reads **5:45**
